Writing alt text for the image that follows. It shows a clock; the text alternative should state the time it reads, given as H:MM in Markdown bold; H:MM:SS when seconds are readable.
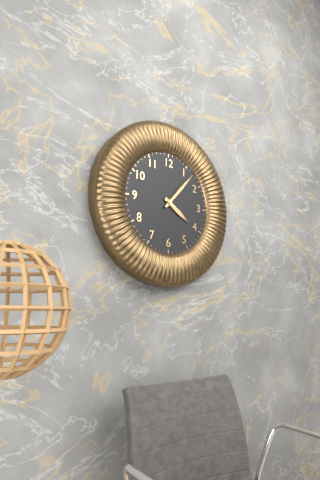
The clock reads **4:07**
